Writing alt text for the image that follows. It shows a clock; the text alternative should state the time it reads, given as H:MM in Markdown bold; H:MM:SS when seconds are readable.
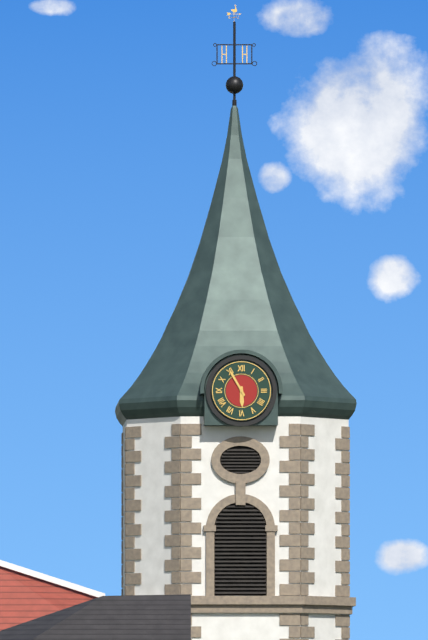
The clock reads **5:55**
